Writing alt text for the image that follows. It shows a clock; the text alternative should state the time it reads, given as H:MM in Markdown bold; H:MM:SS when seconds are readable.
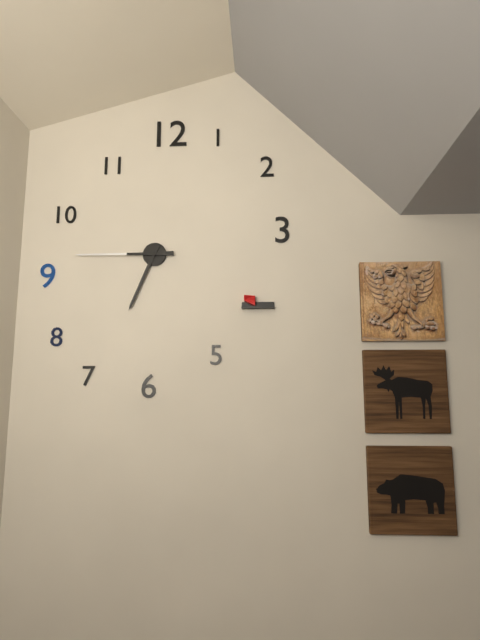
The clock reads **6:45**
